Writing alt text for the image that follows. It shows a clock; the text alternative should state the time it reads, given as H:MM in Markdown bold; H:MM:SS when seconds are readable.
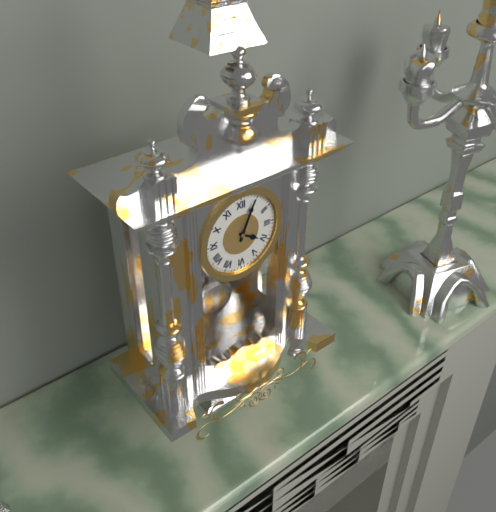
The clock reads **4:04**
